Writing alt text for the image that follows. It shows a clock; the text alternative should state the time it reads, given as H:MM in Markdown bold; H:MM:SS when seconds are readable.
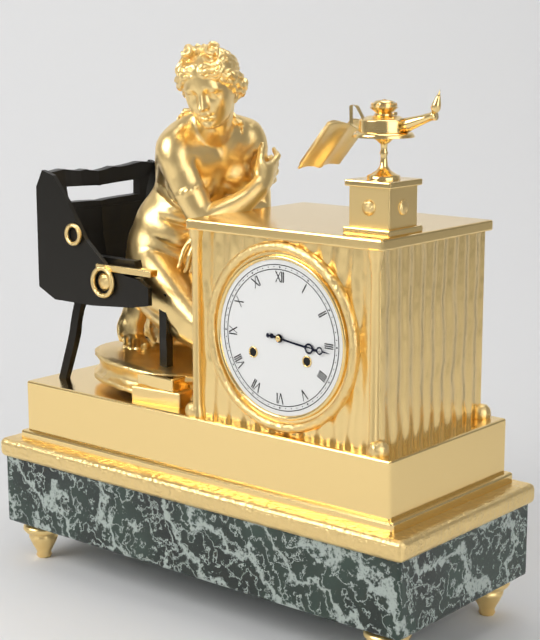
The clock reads **3:16**
